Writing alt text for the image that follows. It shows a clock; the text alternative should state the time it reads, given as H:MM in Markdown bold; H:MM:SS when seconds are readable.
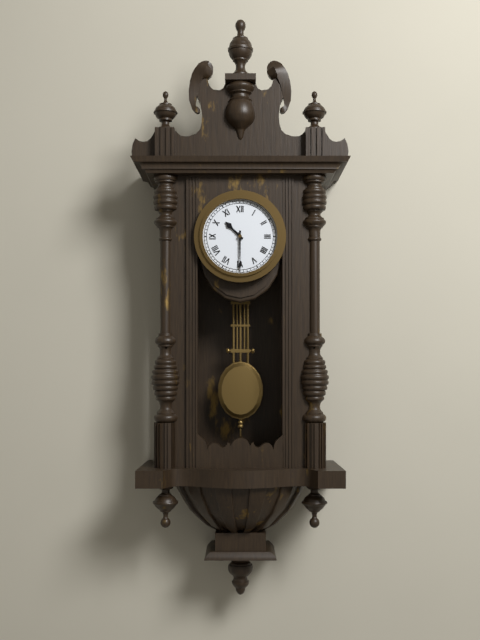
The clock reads **10:30**
